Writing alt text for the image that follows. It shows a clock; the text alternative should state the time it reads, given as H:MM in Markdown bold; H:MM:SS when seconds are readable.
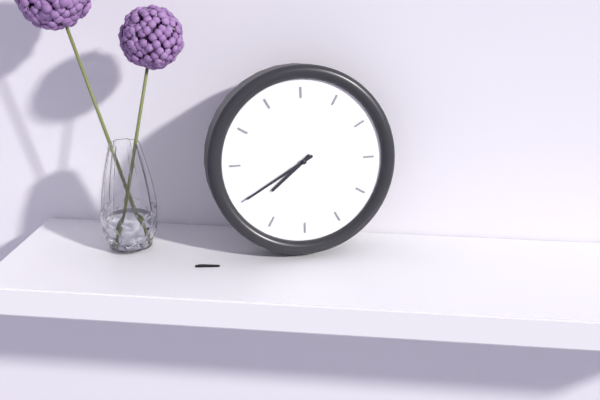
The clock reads **7:40**
